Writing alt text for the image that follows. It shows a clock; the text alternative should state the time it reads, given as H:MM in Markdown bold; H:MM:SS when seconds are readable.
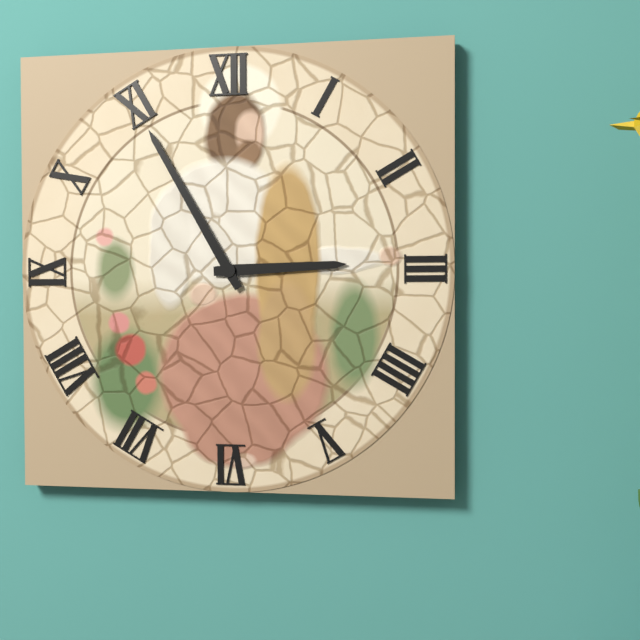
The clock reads **2:55**
